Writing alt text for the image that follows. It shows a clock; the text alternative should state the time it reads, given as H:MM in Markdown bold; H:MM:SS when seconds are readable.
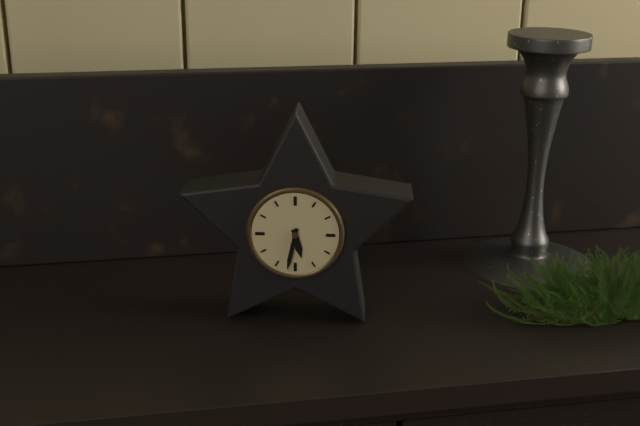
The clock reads **5:32**
